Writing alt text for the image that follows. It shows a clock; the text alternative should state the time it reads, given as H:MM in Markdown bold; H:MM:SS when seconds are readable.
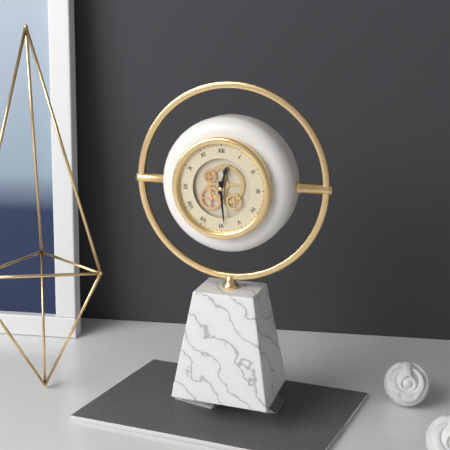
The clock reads **12:29**
